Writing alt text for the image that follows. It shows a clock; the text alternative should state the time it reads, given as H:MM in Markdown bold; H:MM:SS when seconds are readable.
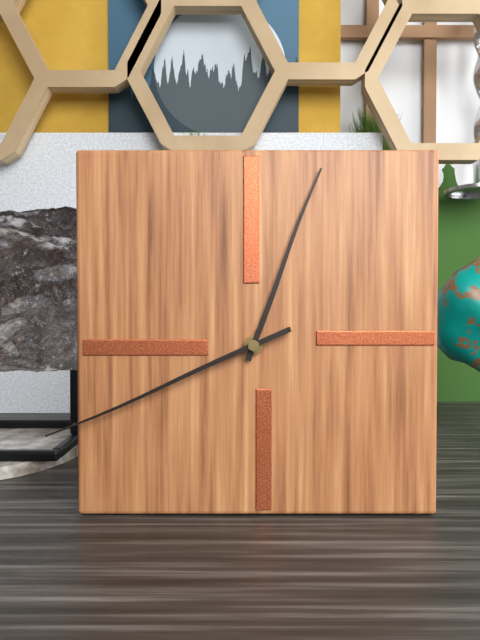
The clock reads **12:41**
